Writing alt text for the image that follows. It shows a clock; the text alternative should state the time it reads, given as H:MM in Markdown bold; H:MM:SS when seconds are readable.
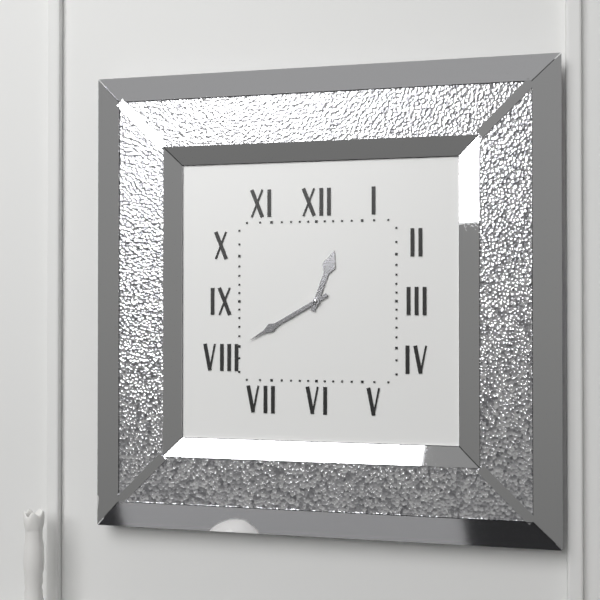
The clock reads **12:40**
